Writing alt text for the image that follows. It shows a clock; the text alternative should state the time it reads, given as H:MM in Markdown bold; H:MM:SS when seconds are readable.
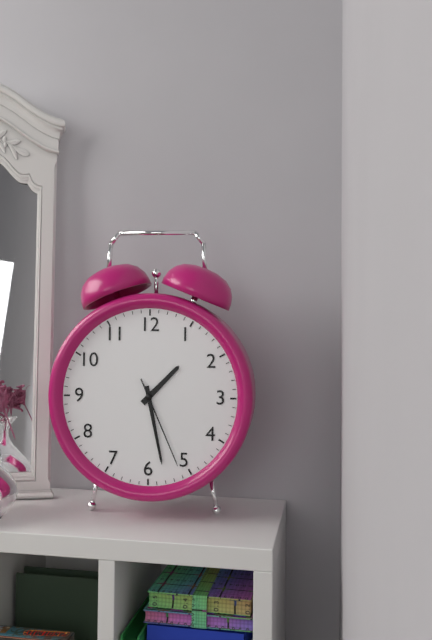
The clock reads **1:28:26**
